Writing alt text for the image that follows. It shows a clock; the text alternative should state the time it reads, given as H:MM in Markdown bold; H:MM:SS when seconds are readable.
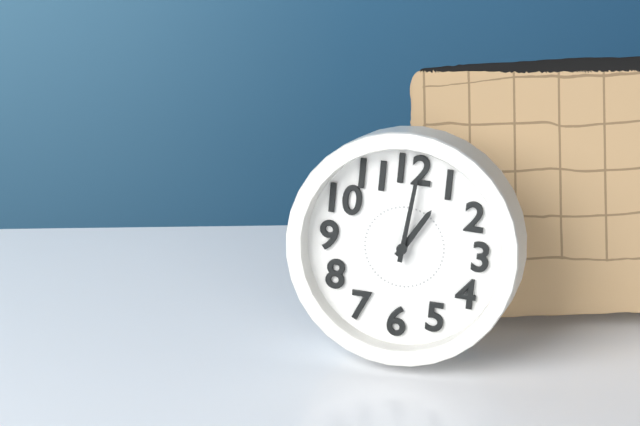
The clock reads **1:01**
